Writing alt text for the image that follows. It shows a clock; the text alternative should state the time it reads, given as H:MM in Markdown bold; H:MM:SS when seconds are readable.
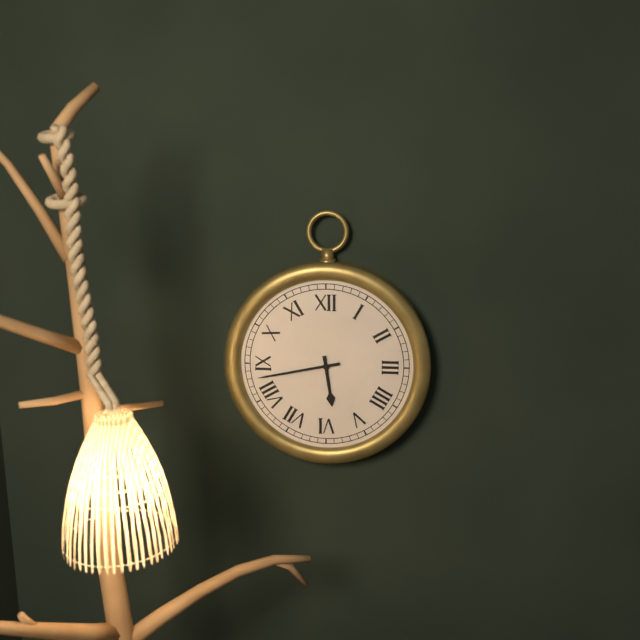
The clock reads **5:43**
